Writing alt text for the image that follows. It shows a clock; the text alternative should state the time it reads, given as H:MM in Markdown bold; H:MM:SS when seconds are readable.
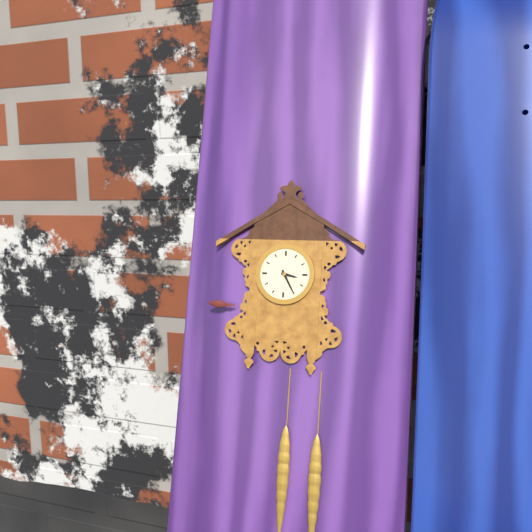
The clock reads **3:25**
